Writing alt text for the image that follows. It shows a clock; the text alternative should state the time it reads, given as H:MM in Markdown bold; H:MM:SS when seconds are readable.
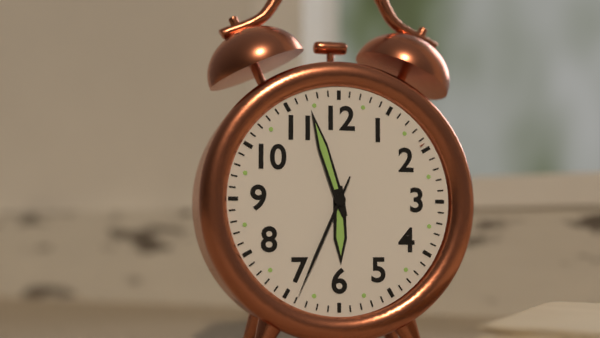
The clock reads **5:57:34**
